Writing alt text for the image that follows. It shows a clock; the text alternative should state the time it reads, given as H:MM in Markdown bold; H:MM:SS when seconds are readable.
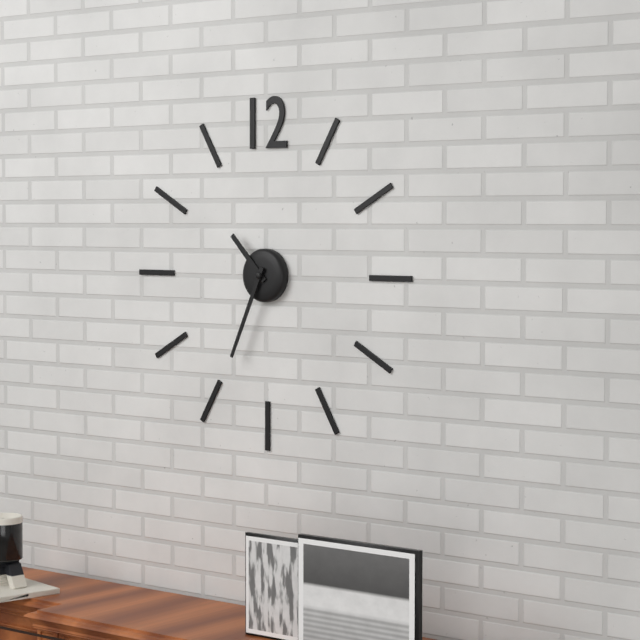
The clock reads **10:34**
